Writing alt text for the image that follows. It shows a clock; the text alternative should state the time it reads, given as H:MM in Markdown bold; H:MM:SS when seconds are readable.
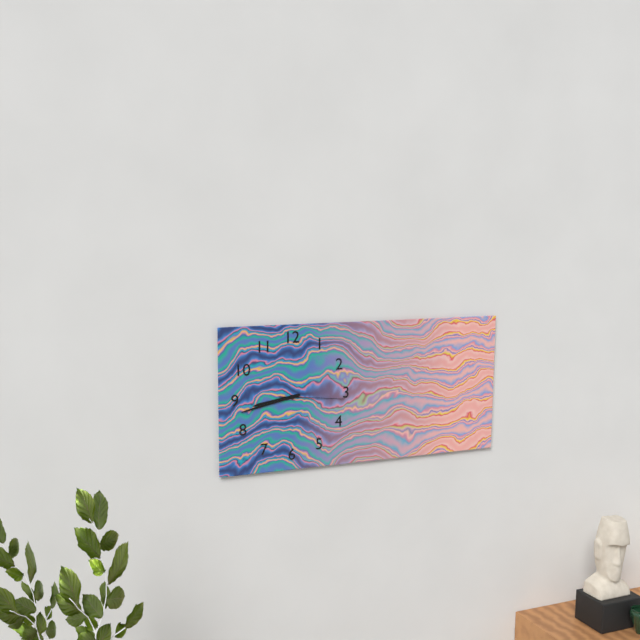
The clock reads **8:43:16**
